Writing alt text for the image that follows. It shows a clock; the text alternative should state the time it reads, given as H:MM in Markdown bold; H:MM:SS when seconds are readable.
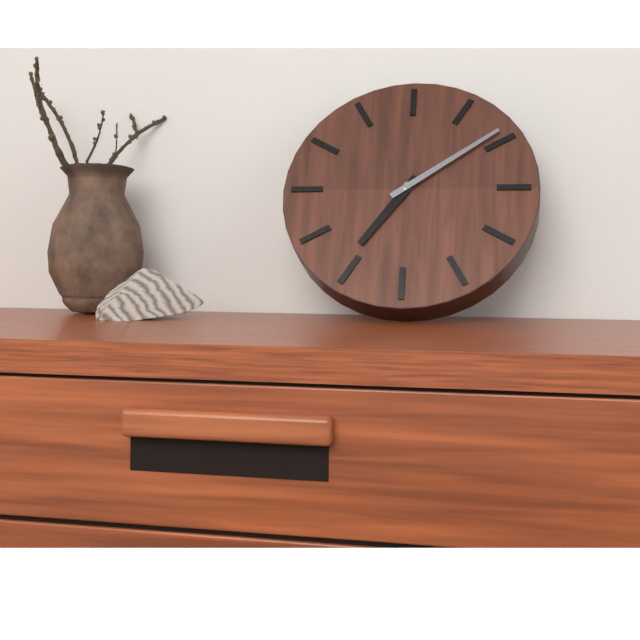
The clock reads **7:09**
